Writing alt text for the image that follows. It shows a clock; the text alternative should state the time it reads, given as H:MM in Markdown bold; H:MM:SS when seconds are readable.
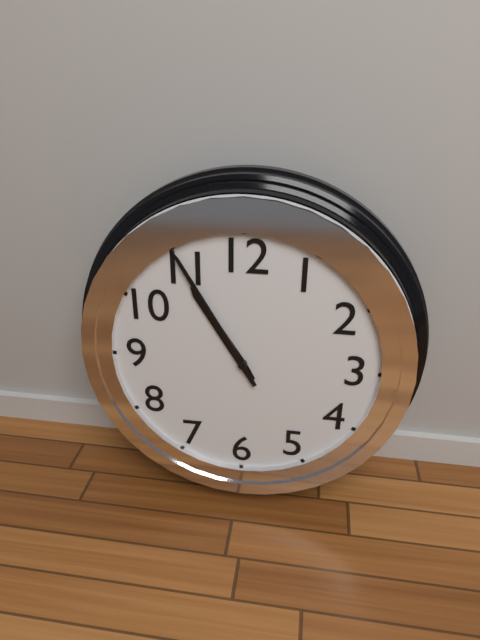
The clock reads **10:55**
